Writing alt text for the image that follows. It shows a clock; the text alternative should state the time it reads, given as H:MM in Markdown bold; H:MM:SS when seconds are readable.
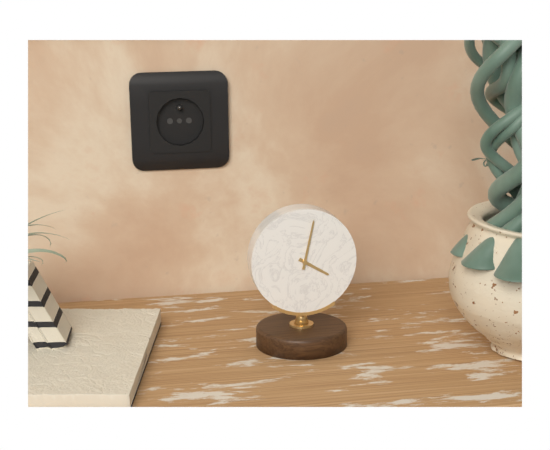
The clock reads **4:02**
